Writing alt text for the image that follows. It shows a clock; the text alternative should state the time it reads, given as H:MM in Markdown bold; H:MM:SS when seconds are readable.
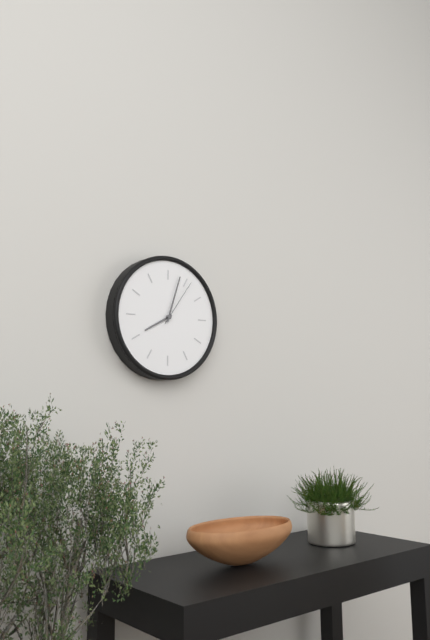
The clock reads **8:03:06**
